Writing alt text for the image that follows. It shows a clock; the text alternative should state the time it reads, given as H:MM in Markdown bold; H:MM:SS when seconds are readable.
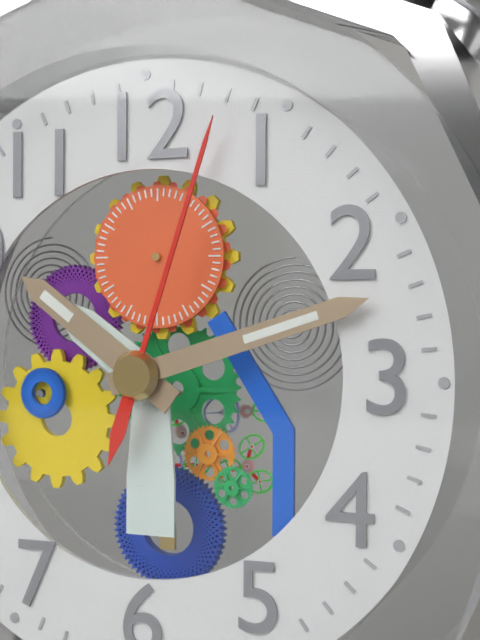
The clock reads **10:12:03**
